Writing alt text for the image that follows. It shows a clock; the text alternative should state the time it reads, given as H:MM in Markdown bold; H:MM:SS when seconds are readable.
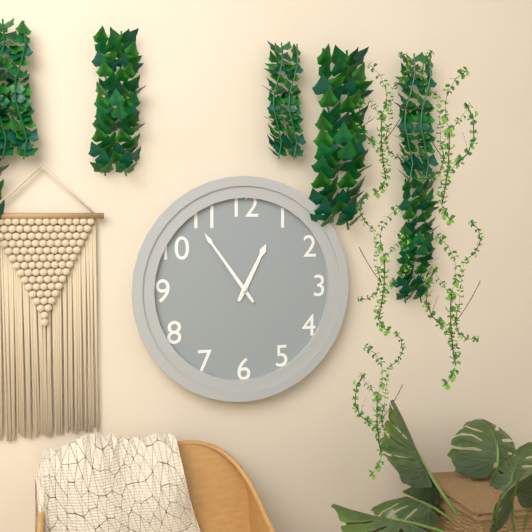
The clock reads **12:54**
